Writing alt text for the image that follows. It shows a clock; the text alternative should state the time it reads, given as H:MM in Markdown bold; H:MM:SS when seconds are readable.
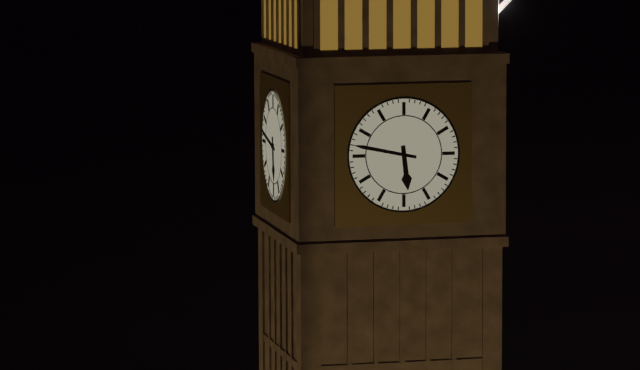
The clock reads **5:47**
